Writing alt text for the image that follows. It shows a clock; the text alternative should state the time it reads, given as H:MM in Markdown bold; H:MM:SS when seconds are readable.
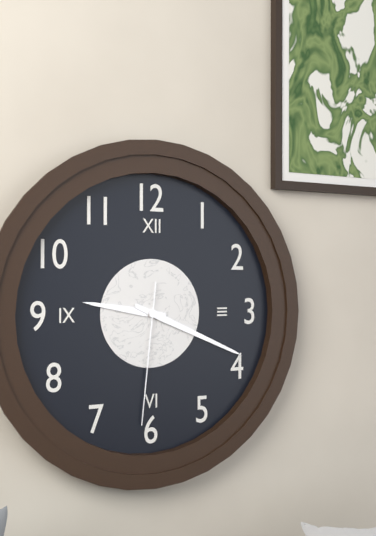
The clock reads **9:19:31**
